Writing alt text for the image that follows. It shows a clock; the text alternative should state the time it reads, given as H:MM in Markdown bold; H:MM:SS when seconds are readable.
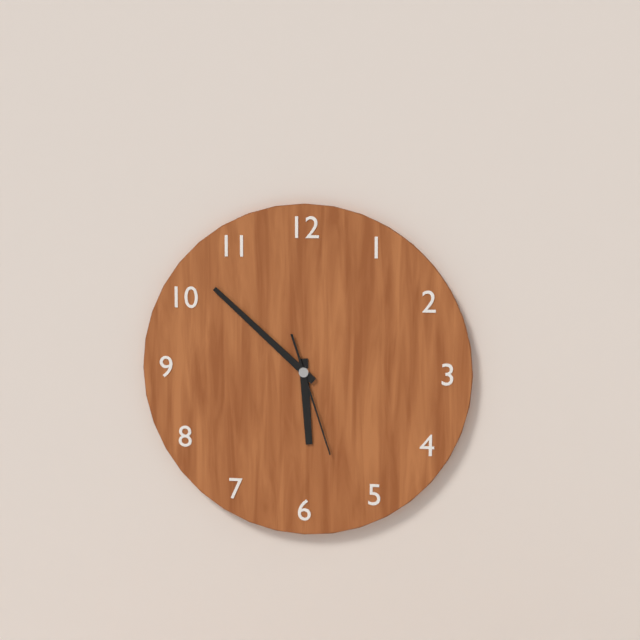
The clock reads **5:52:27**
